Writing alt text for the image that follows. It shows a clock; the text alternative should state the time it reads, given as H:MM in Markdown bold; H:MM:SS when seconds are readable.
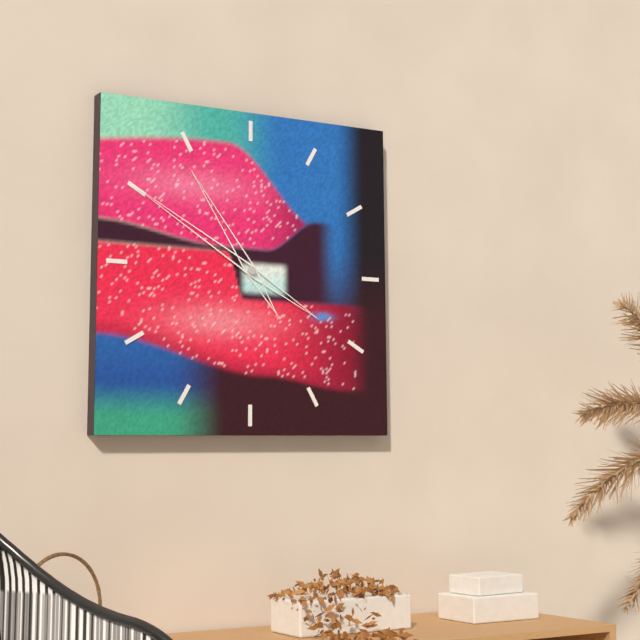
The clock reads **10:50**
